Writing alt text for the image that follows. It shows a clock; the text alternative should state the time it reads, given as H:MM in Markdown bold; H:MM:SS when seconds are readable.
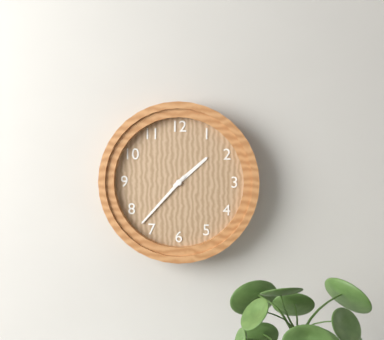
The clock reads **1:37**
